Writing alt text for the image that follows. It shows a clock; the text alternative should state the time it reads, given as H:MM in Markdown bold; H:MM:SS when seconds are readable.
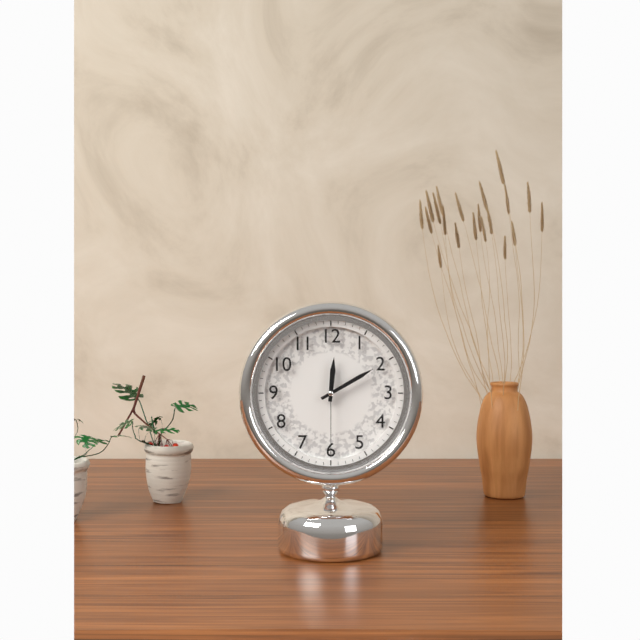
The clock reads **12:10:30**
